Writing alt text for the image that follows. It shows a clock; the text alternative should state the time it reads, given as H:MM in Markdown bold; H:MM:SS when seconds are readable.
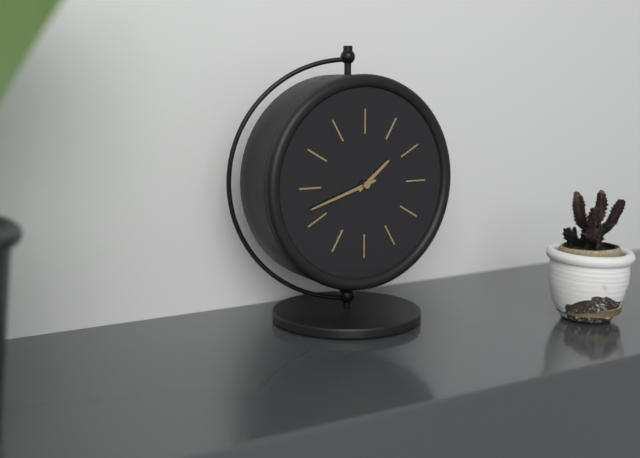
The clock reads **1:42**
